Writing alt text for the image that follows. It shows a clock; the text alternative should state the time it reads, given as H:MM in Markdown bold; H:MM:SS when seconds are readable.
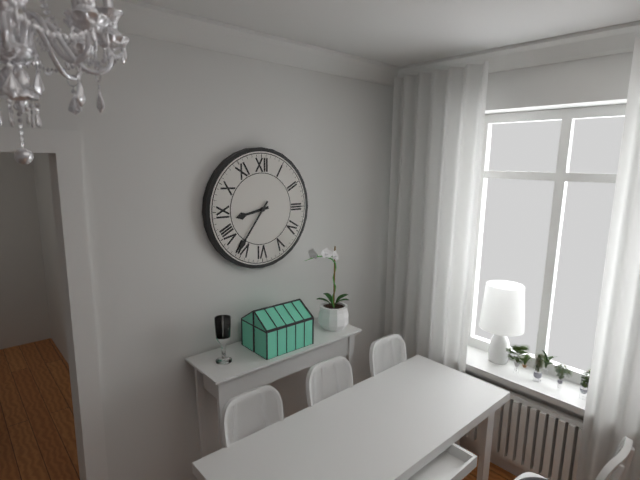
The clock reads **8:36**
